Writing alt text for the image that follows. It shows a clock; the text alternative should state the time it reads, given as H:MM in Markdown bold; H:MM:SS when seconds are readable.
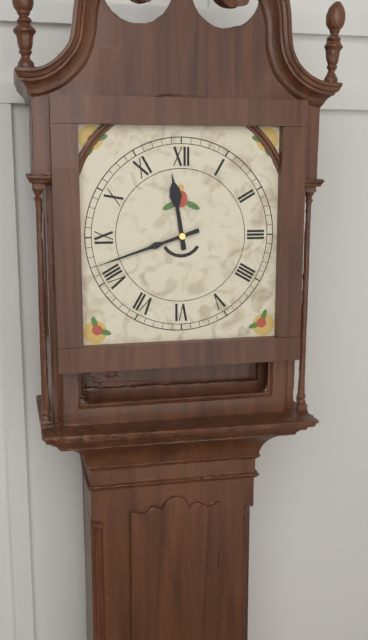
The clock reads **11:42**
